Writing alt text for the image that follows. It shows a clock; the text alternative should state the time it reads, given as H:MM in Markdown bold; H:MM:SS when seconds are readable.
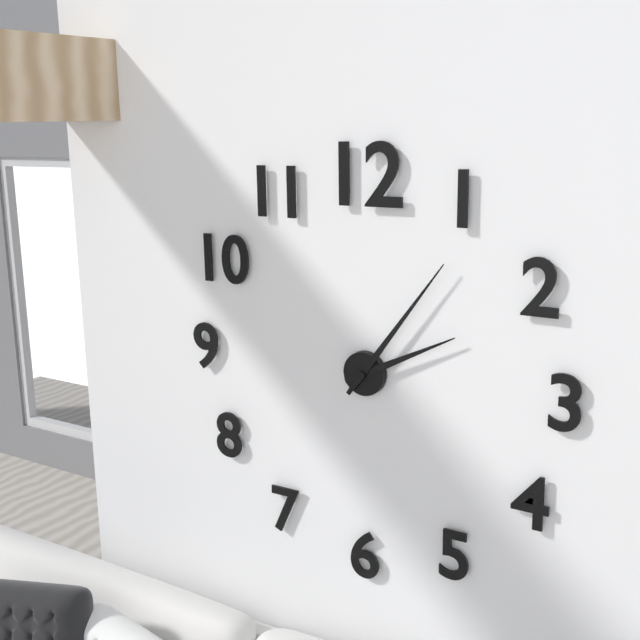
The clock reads **2:06**
